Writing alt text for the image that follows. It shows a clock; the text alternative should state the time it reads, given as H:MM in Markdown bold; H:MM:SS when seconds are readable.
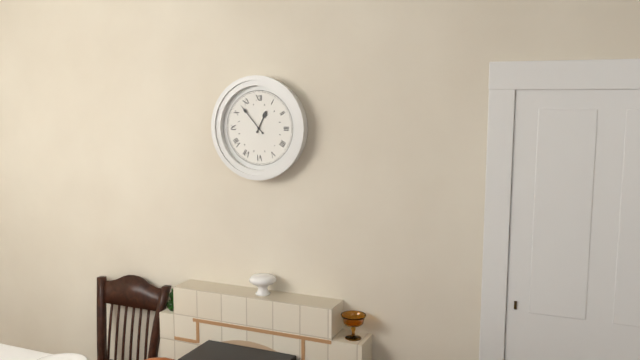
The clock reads **12:53**
